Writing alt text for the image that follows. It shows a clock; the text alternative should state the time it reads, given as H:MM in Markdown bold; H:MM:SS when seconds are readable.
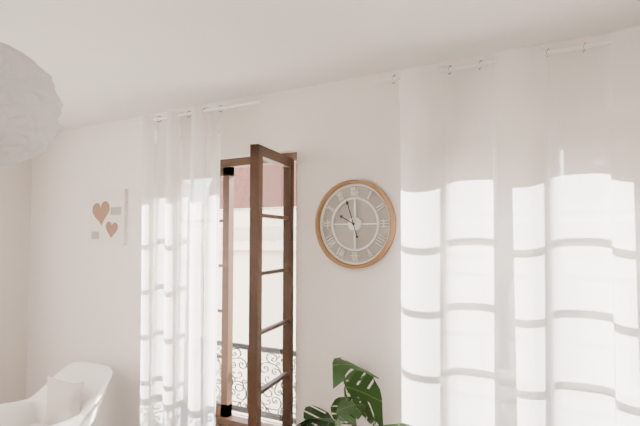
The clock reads **9:57**
